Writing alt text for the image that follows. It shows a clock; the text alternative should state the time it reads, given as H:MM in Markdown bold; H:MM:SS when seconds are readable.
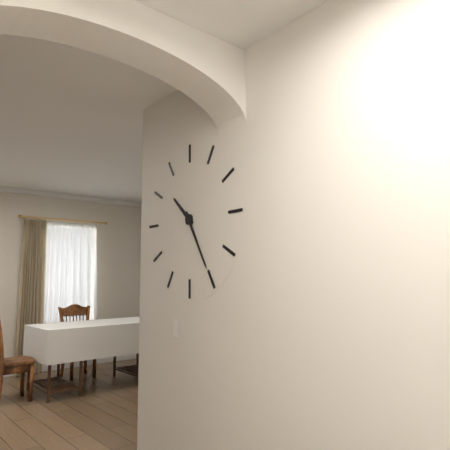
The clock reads **10:25**
